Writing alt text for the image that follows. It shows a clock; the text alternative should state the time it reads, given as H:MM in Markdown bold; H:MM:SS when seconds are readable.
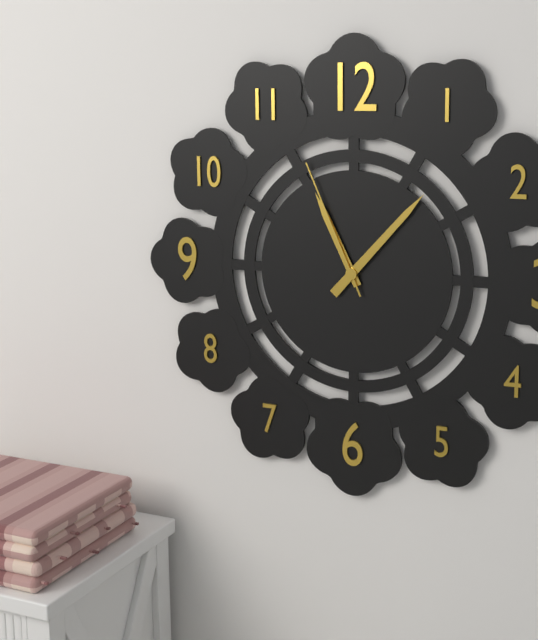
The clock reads **11:07:56**
